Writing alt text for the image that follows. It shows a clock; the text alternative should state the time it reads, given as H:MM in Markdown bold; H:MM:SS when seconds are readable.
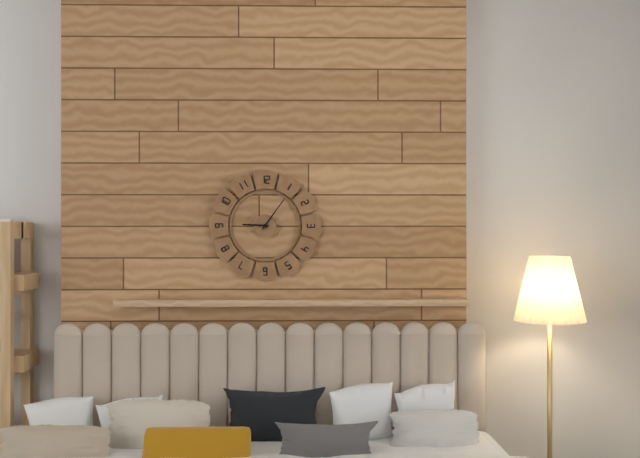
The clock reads **9:06**
